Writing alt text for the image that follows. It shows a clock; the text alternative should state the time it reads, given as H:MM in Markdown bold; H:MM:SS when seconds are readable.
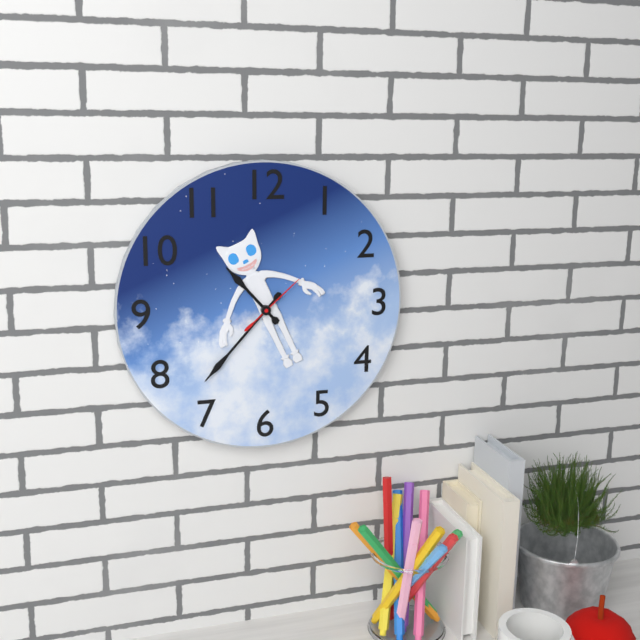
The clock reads **10:37:08**
